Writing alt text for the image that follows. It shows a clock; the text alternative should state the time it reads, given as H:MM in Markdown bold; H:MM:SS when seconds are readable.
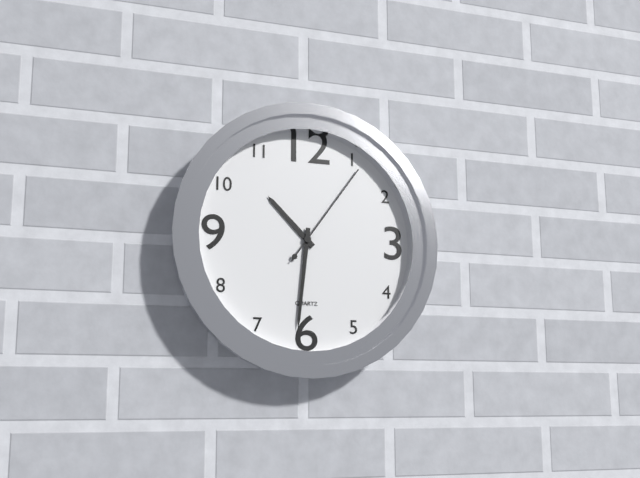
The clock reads **10:31:06**
